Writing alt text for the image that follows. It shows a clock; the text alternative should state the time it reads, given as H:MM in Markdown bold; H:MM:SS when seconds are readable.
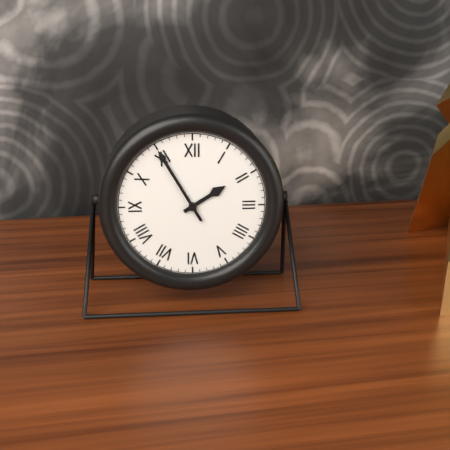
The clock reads **1:55**
